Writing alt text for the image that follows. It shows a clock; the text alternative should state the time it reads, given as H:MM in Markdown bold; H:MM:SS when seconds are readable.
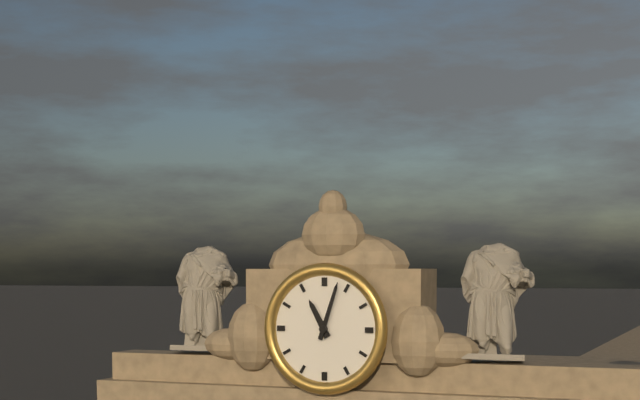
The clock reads **11:03**
